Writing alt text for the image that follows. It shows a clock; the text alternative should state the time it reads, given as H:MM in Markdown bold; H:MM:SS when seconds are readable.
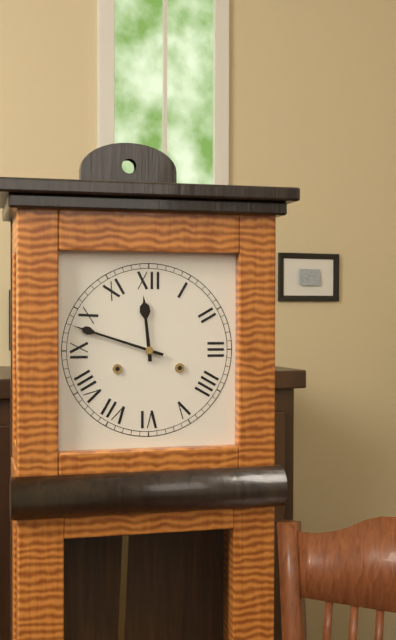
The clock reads **11:48**
